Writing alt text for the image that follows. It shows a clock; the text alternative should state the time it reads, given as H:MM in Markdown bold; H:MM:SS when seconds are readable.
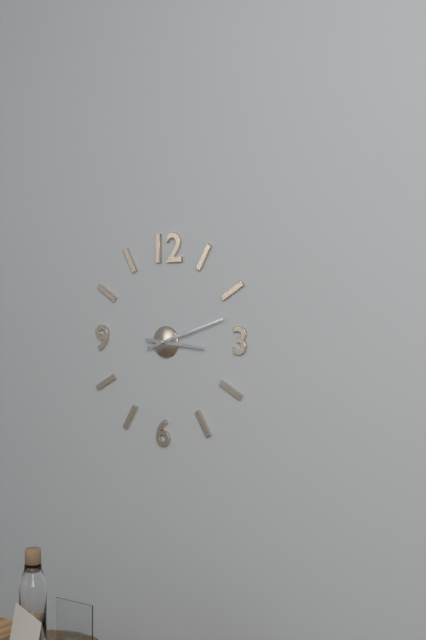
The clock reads **3:12**
